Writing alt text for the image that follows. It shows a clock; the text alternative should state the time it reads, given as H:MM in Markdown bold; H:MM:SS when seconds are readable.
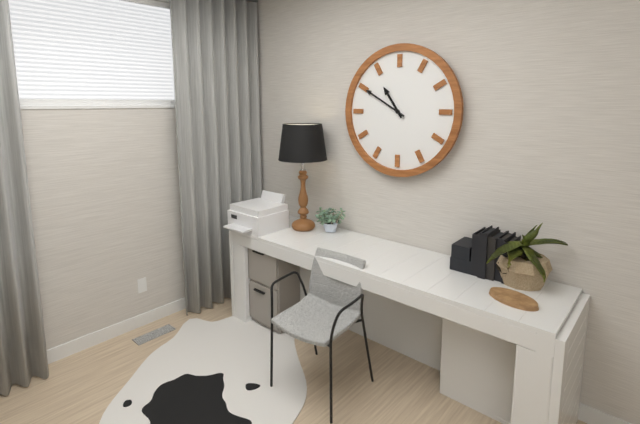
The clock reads **10:50**
